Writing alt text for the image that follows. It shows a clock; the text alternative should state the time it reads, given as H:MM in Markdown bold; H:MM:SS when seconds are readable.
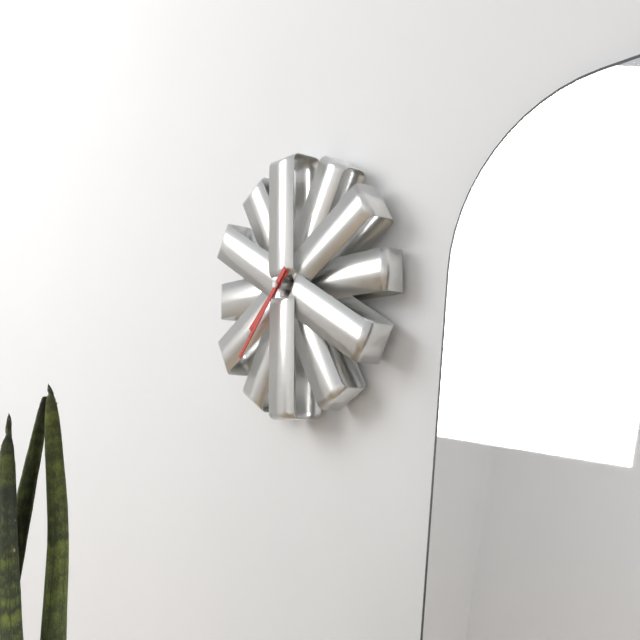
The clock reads **7:37**
